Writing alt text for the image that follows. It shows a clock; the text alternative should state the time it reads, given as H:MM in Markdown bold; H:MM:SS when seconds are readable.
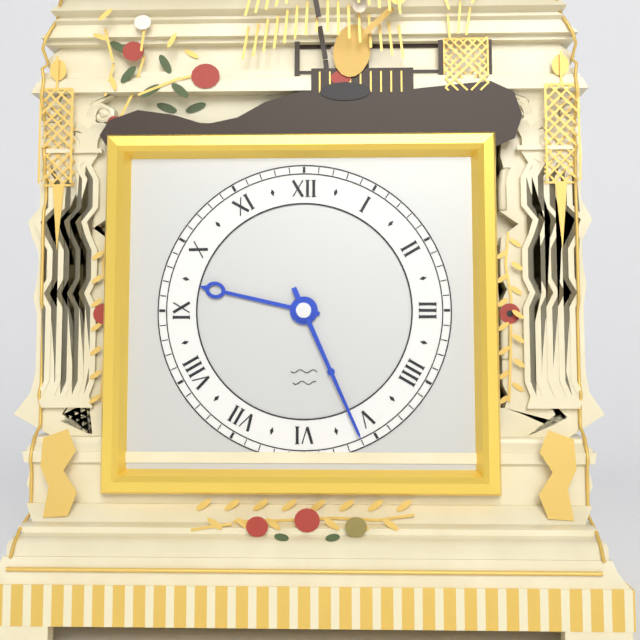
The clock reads **9:26**
